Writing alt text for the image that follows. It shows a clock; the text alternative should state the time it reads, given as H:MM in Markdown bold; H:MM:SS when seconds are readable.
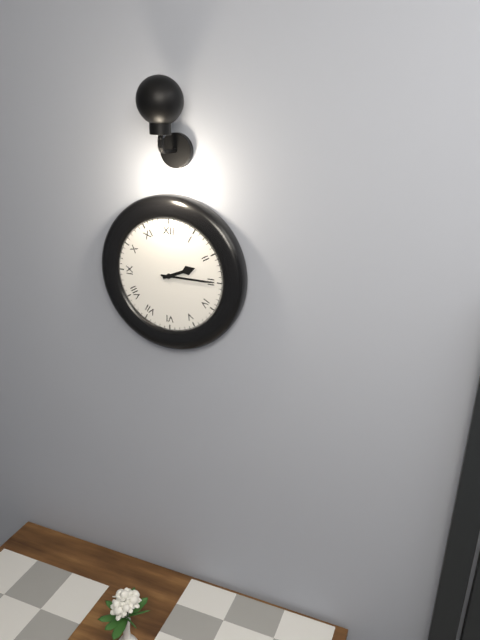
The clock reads **2:15**
